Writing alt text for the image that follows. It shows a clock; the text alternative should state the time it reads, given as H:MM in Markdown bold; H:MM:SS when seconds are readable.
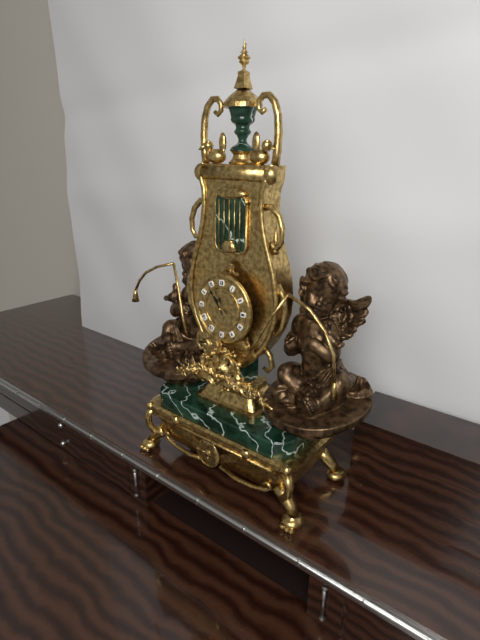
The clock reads **10:54**
